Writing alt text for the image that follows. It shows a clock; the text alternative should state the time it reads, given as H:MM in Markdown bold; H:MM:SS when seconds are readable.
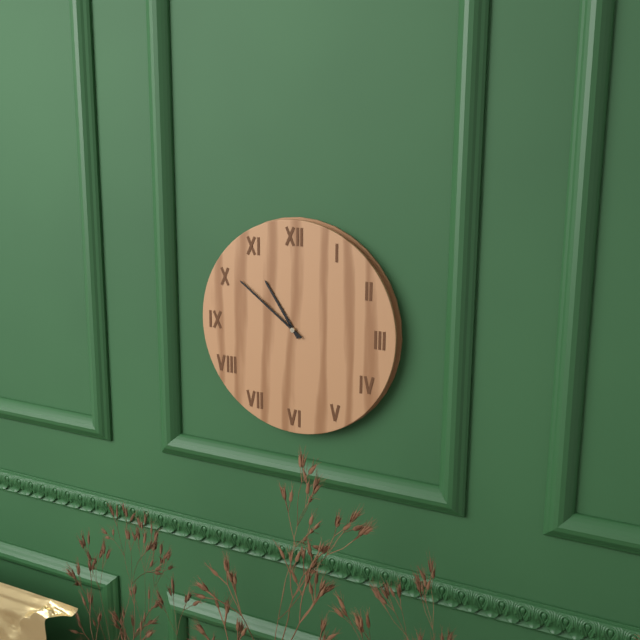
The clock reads **10:51**
